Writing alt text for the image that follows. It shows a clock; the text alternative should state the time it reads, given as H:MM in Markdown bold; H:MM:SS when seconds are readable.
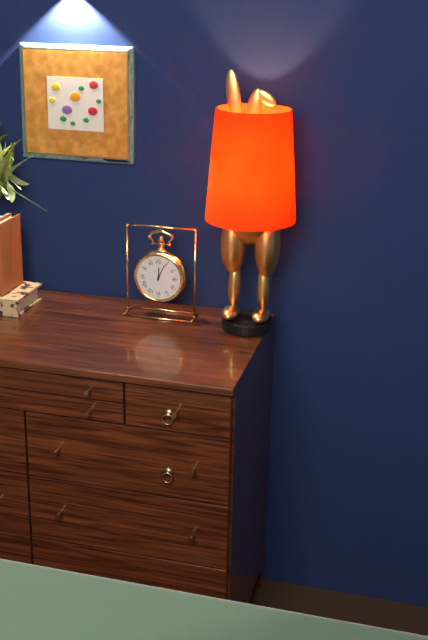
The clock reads **12:04**
